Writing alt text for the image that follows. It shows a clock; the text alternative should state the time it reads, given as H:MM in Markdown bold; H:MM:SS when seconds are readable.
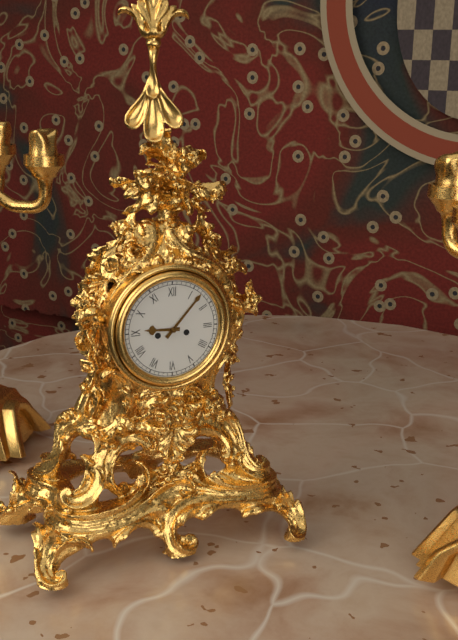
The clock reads **9:07**
